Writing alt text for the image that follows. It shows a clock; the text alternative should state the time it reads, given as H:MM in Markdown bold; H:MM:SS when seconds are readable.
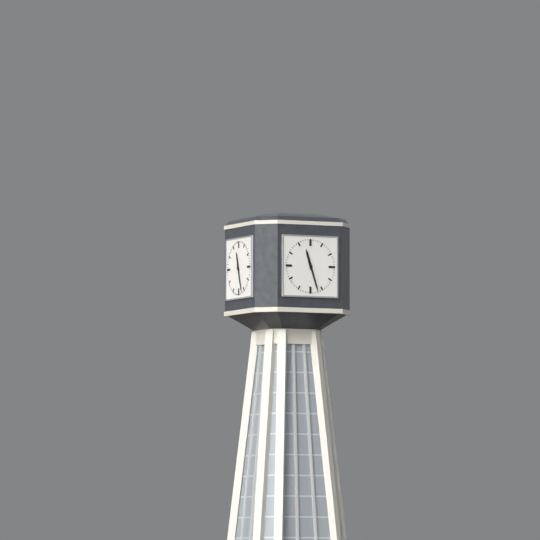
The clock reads **11:27**
